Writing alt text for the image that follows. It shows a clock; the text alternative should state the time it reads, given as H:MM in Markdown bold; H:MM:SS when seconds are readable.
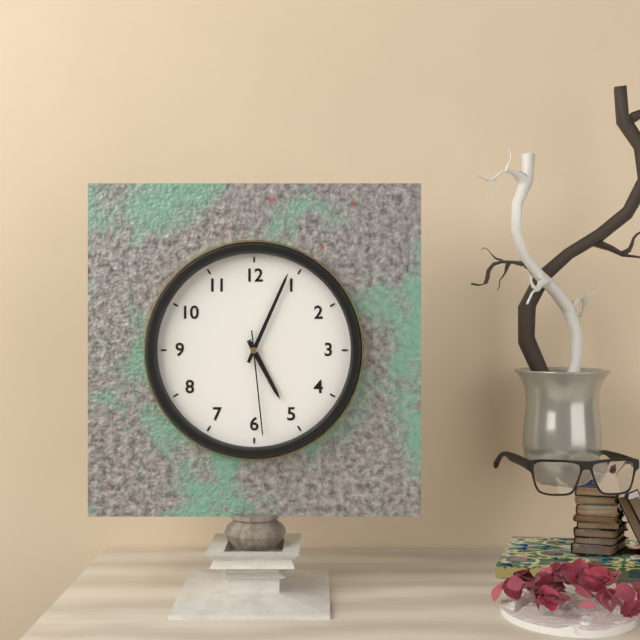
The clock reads **5:04:29**
